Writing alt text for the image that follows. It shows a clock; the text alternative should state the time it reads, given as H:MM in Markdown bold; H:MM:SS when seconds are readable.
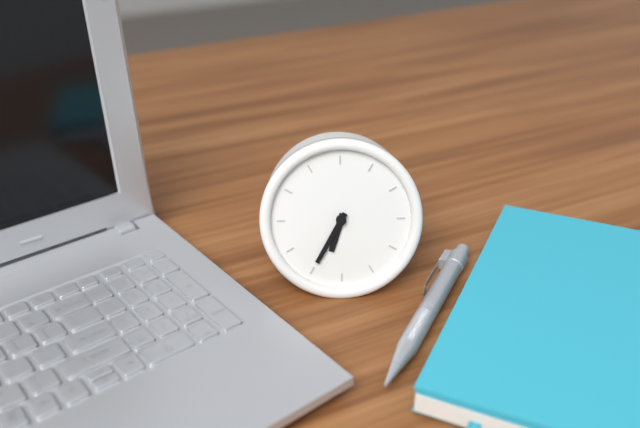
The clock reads **6:35**
